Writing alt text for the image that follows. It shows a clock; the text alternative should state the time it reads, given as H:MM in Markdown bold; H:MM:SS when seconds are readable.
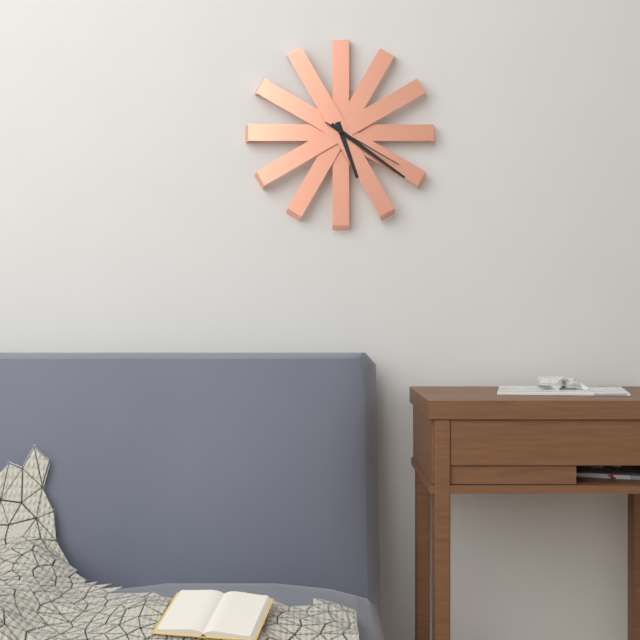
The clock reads **5:21:20**
